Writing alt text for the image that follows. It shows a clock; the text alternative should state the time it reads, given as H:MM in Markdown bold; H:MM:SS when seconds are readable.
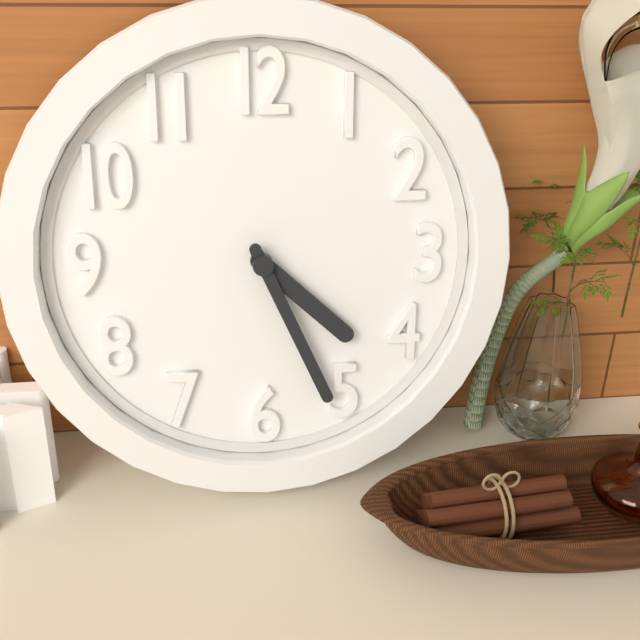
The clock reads **4:26**
